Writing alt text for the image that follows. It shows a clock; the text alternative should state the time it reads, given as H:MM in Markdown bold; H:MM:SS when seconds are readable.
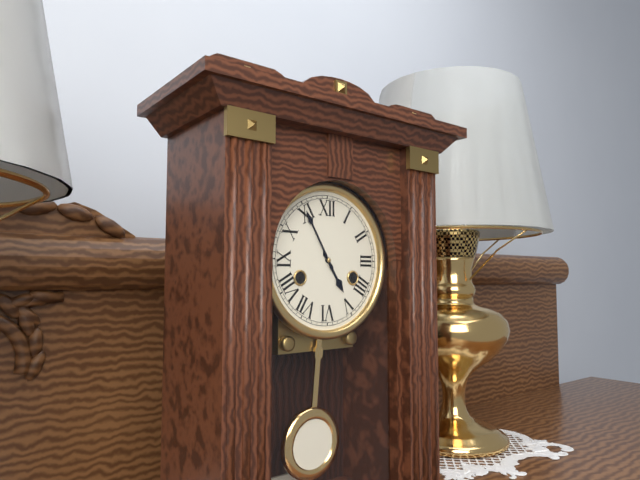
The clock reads **4:55**
